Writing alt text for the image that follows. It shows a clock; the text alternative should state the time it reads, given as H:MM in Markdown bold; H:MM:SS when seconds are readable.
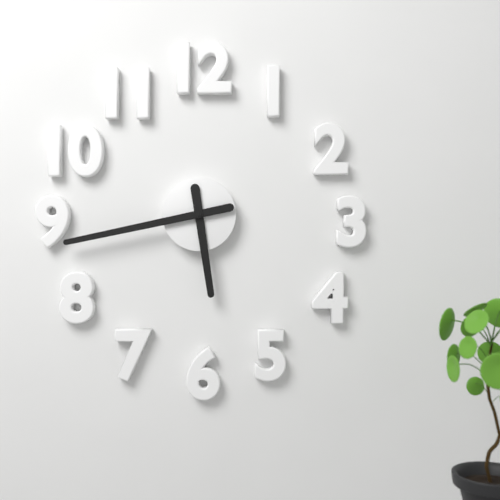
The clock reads **5:43**
